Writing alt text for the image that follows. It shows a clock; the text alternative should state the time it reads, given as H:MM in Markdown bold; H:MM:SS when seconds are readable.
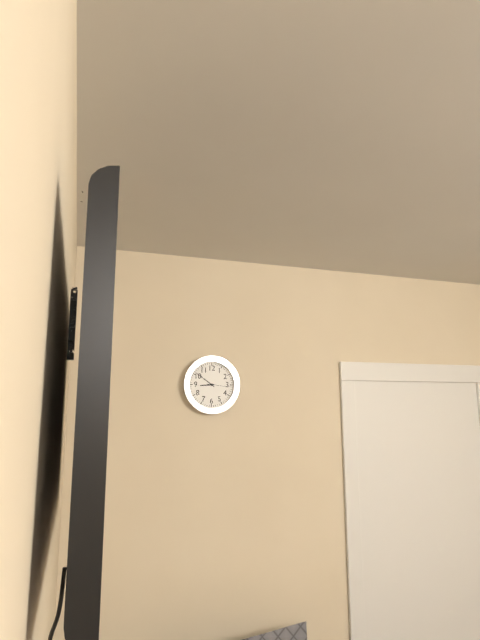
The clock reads **8:51**
